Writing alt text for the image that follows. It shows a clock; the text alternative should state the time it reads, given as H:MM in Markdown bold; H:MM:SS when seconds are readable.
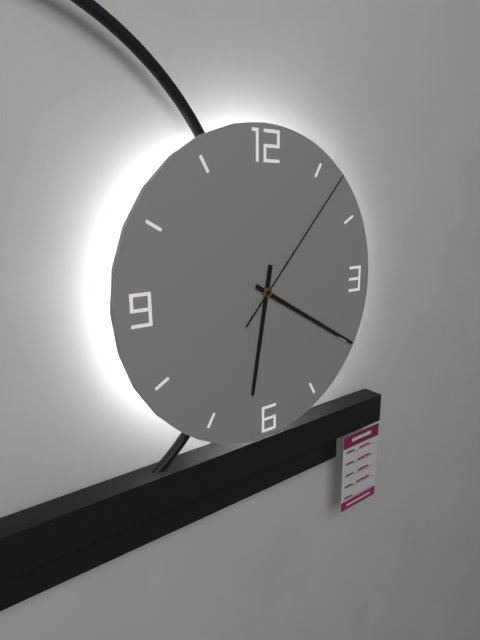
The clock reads **6:20:07**
